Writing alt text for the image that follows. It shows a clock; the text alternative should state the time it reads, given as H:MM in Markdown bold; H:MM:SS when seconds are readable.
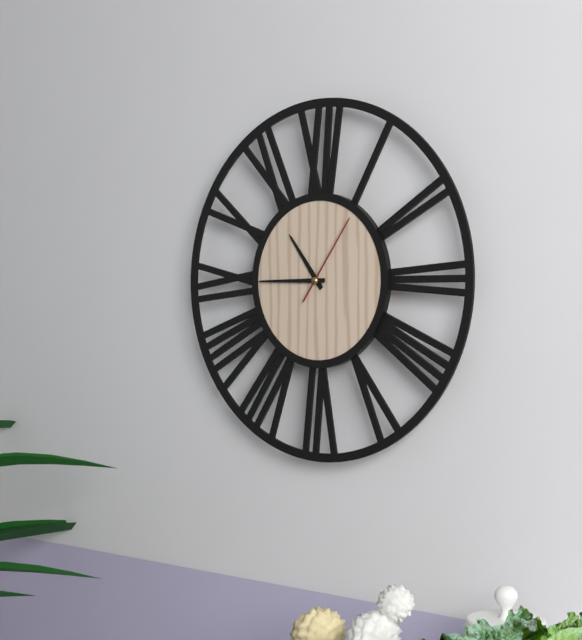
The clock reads **10:45:06**
